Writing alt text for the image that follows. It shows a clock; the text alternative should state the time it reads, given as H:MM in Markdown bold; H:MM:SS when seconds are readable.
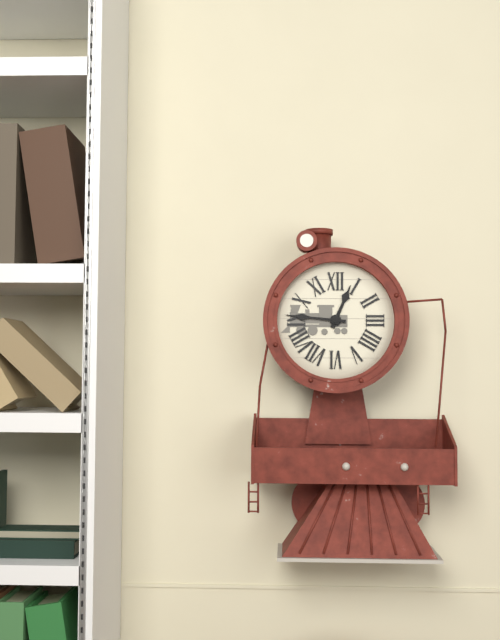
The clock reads **12:46**
